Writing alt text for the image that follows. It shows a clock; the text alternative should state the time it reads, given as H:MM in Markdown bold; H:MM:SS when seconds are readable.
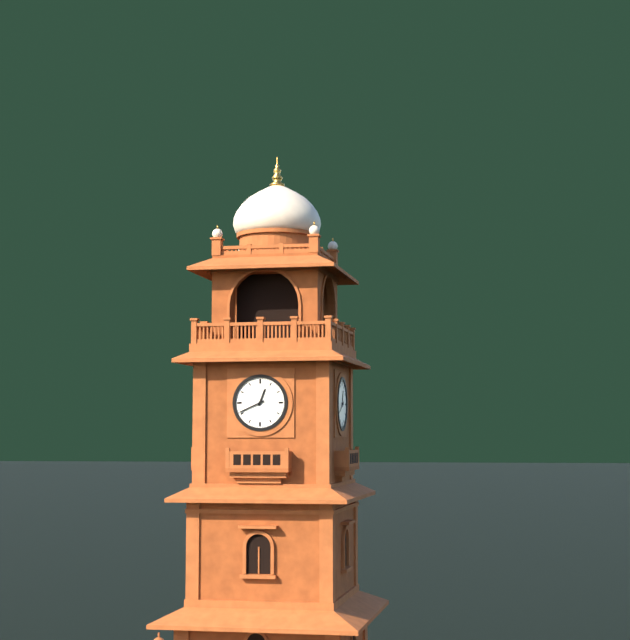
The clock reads **12:41**
